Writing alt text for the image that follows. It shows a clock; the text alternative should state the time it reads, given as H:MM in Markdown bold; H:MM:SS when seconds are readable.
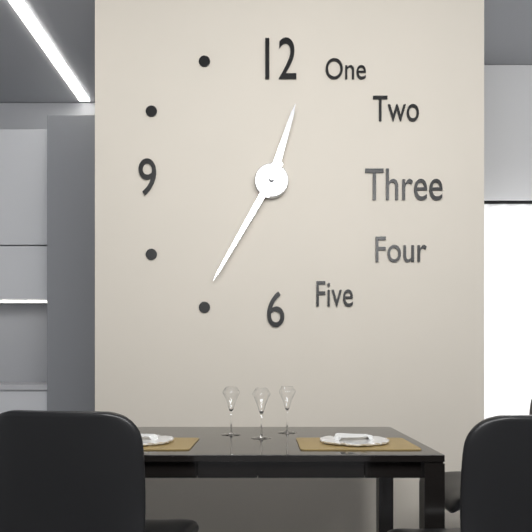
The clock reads **12:35**
